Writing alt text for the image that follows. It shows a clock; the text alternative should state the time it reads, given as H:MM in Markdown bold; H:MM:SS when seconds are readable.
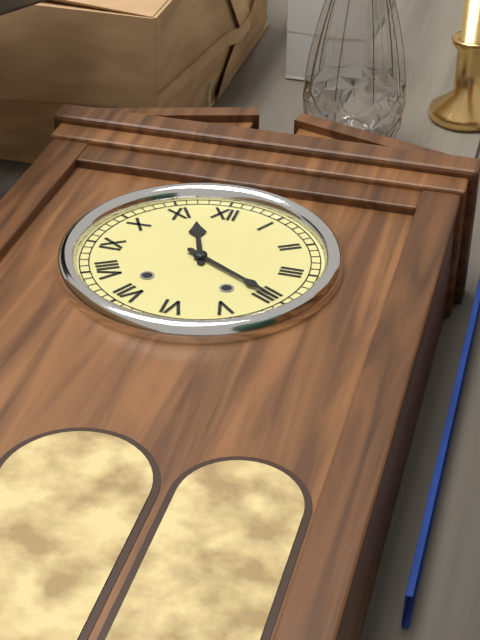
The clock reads **11:20**
